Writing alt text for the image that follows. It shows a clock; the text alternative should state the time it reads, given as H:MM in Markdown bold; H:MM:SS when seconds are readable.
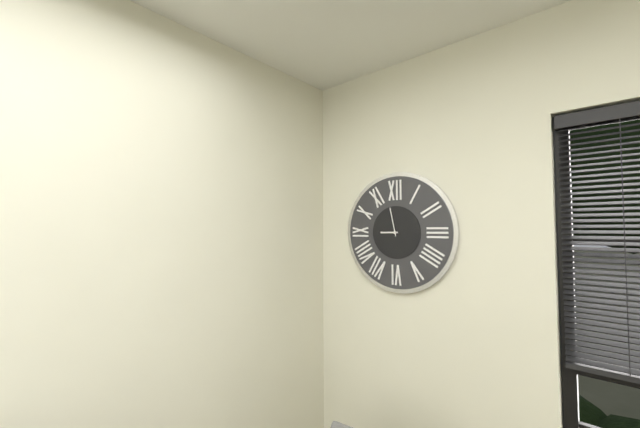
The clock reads **8:58**
